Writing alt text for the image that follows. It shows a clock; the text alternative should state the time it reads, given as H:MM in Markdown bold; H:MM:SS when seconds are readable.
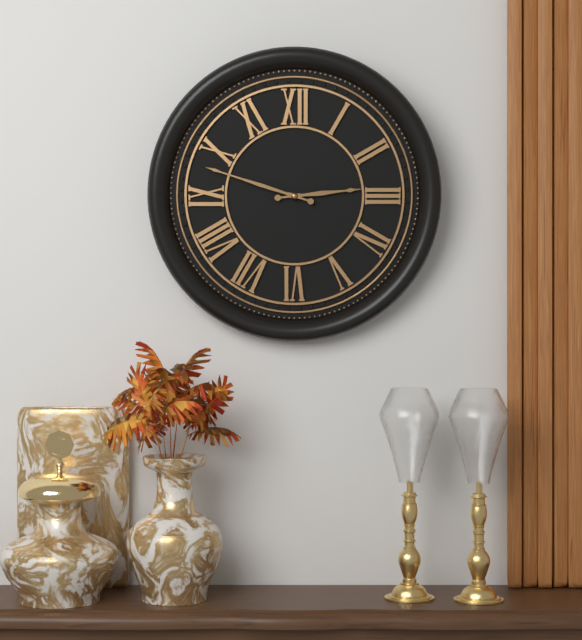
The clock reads **2:48**
